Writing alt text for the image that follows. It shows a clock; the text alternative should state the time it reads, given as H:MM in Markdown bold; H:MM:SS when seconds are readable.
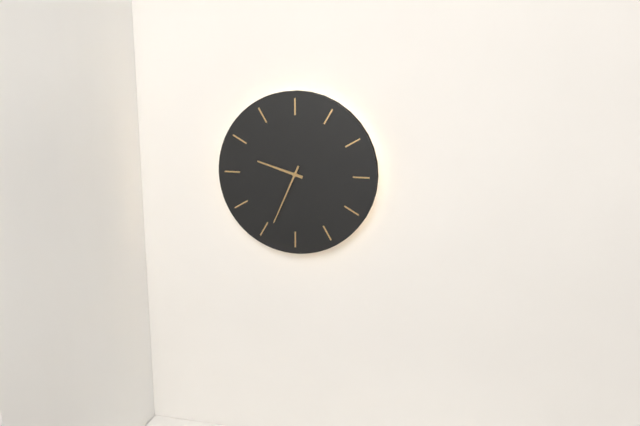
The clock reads **9:34**
